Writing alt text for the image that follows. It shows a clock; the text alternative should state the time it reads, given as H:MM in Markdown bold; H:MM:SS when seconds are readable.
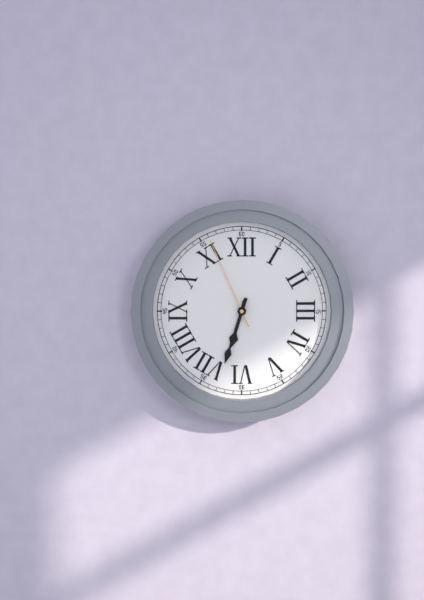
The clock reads **6:33:56**
